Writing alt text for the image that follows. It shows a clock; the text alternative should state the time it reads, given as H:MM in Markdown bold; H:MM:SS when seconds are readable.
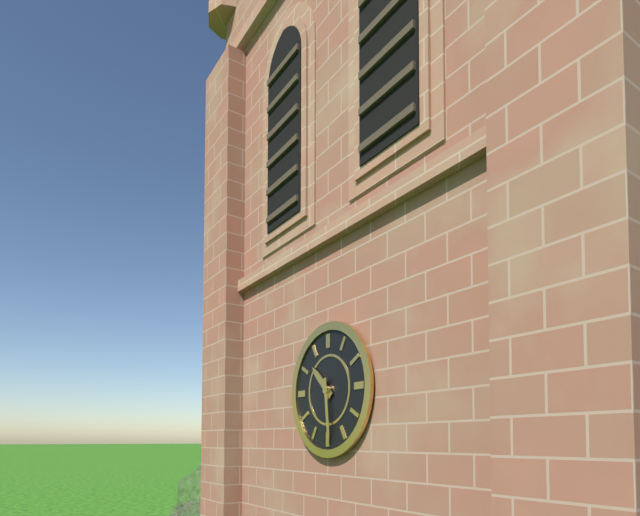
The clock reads **10:29**
